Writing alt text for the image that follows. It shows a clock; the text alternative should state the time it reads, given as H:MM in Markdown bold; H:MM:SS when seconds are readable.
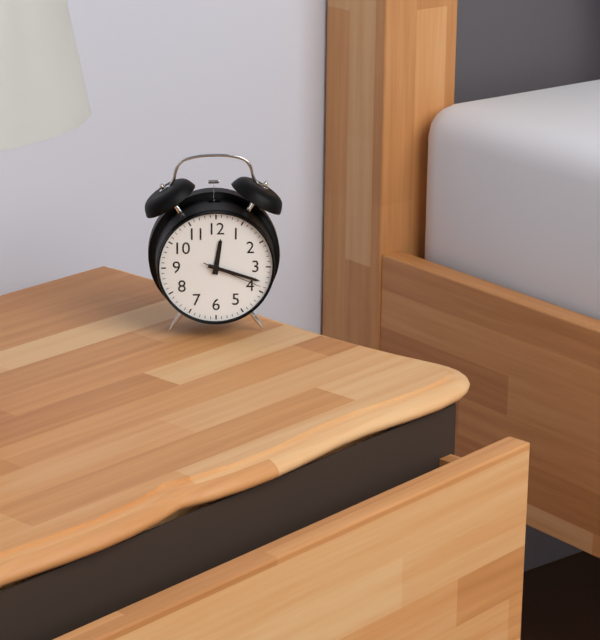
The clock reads **12:18:19**
